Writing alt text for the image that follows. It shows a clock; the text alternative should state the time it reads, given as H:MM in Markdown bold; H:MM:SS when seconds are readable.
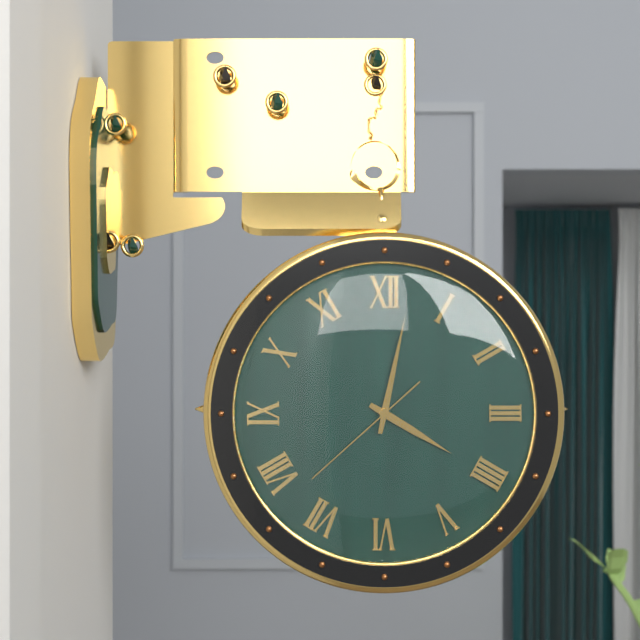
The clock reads **4:02:38**
